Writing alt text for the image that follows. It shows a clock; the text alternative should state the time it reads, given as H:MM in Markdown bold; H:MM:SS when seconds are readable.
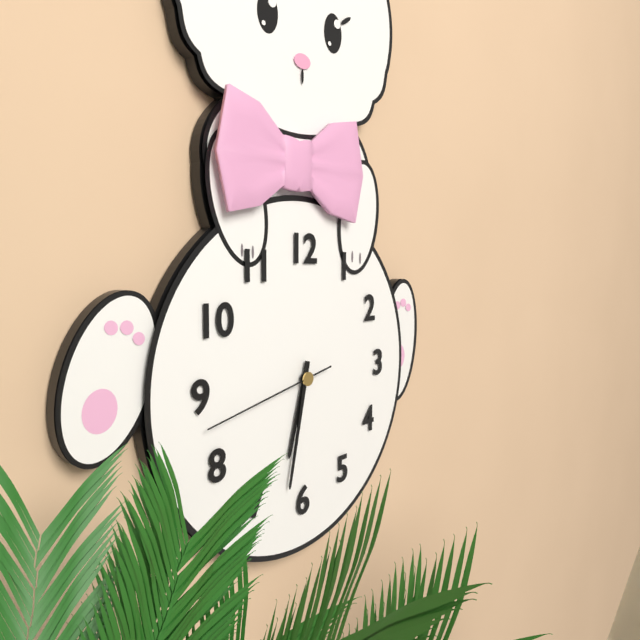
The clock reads **6:32:43**
